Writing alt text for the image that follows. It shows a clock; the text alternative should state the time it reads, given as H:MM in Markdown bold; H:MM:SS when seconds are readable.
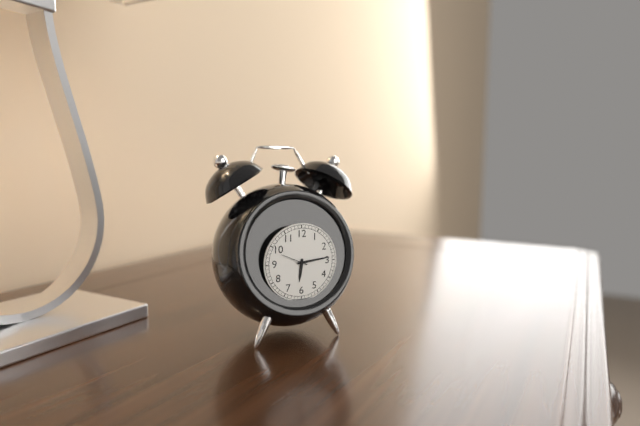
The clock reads **6:14**
